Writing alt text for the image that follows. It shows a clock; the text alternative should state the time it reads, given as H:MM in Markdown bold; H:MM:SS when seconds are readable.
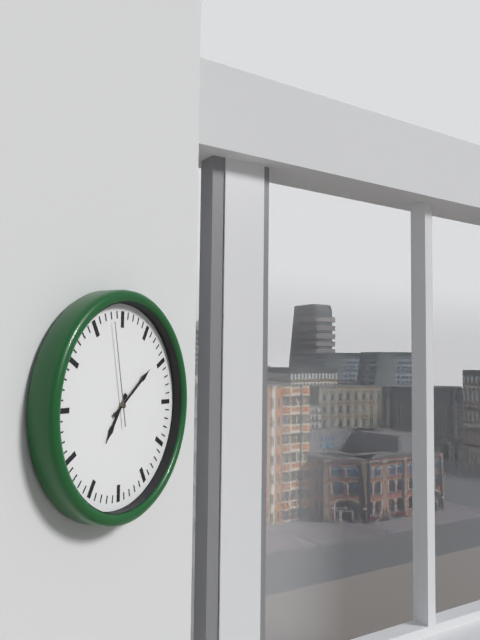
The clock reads **7:09:58**
